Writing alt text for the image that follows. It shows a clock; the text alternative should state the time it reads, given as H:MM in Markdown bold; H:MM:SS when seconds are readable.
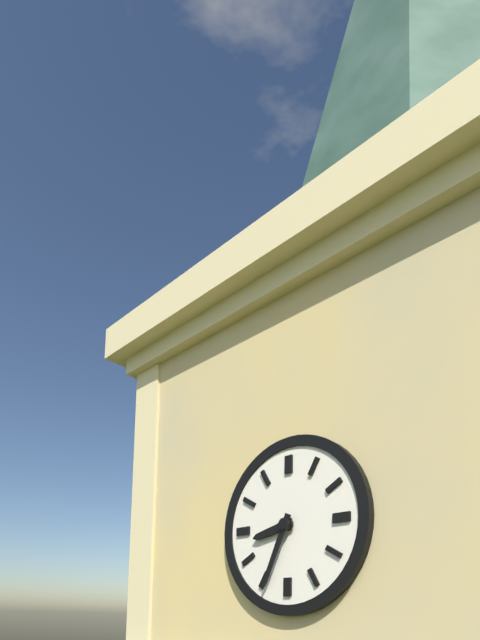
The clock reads **8:34**
